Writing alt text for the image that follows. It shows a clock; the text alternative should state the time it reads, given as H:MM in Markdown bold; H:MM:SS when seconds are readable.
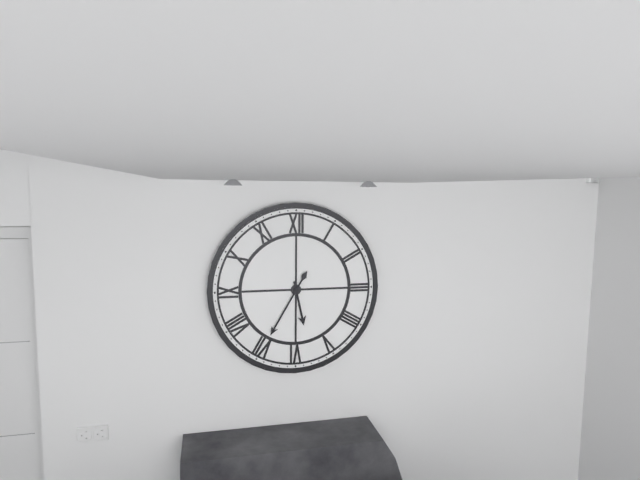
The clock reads **5:35**
